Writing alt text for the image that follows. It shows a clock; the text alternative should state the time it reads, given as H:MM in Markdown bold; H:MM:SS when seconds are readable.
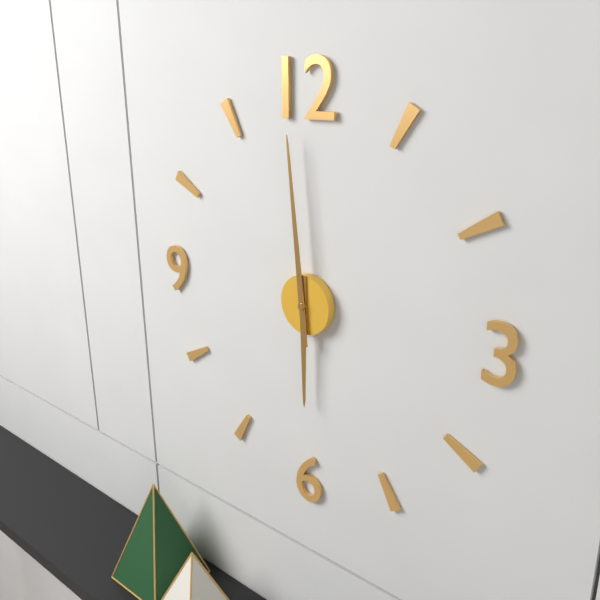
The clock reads **5:59**
